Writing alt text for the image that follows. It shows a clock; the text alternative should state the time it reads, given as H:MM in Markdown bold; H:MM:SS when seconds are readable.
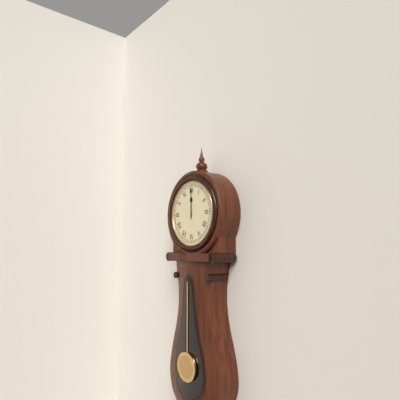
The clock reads **12:00**
